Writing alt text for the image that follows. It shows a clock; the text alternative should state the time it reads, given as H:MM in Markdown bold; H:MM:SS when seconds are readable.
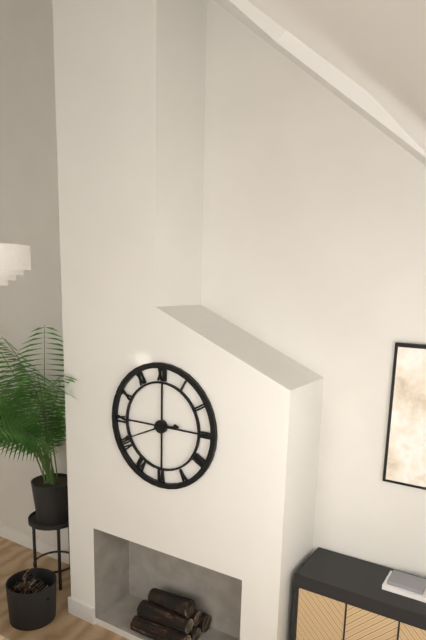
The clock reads **2:41**
